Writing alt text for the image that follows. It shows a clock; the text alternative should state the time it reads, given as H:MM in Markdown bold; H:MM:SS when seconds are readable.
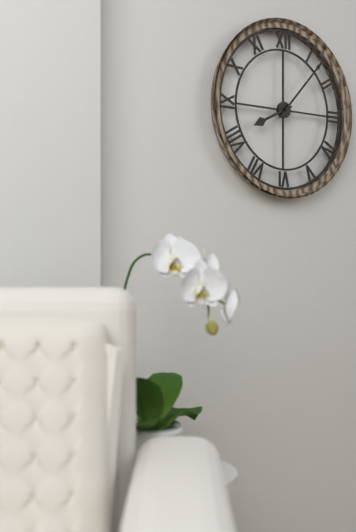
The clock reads **8:07**
